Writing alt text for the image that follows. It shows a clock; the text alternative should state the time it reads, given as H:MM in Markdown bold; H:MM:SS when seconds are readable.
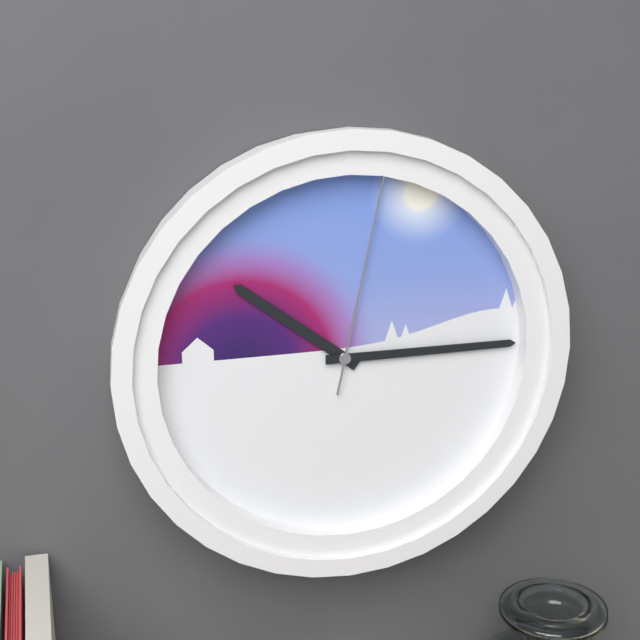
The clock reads **10:15:02**
